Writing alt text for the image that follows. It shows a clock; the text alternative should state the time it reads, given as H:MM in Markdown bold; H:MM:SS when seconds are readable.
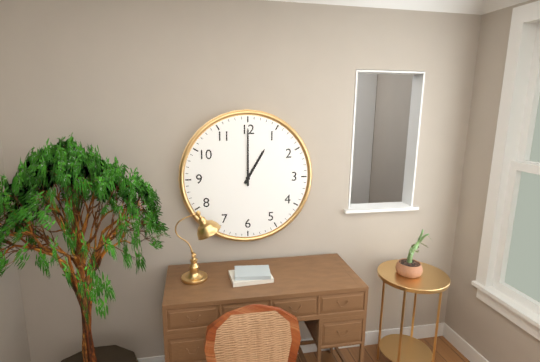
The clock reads **1:00**
